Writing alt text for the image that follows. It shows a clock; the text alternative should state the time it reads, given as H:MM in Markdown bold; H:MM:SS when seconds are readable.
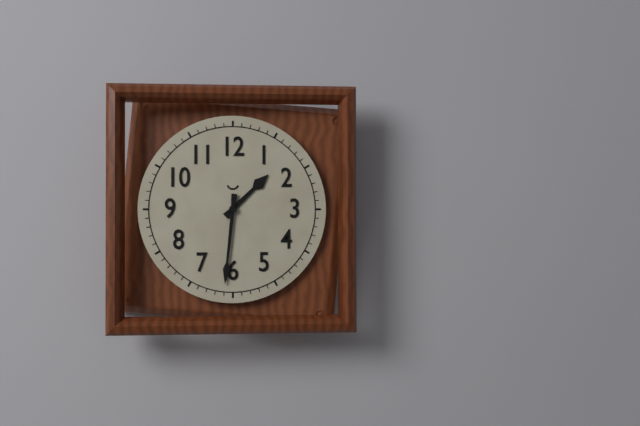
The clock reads **1:31**
